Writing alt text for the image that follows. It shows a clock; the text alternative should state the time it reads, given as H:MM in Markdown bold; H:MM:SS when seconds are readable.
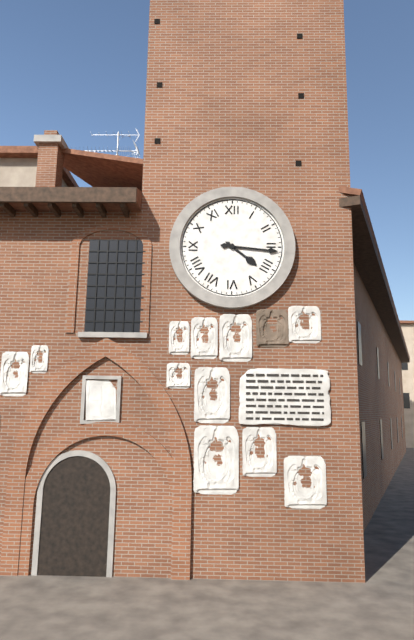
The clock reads **4:16**
